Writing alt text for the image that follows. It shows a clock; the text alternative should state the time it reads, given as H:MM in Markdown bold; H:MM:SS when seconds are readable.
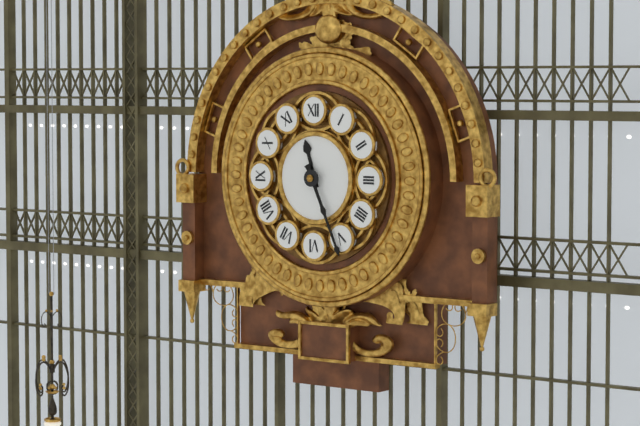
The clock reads **11:26**
